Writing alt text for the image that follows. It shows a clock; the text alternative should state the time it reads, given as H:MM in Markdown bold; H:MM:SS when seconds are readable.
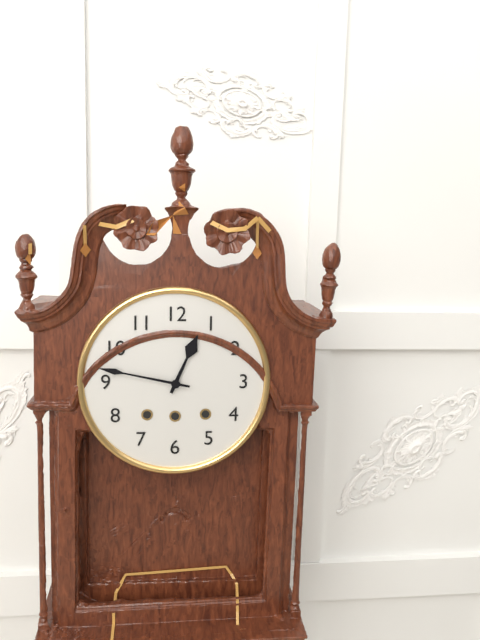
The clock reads **12:47**
